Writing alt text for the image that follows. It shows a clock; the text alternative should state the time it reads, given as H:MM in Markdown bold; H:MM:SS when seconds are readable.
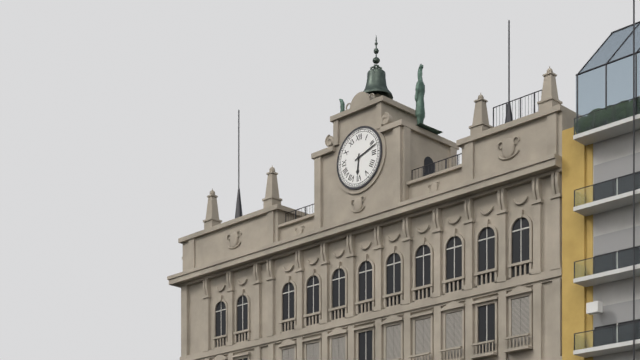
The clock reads **6:12**
